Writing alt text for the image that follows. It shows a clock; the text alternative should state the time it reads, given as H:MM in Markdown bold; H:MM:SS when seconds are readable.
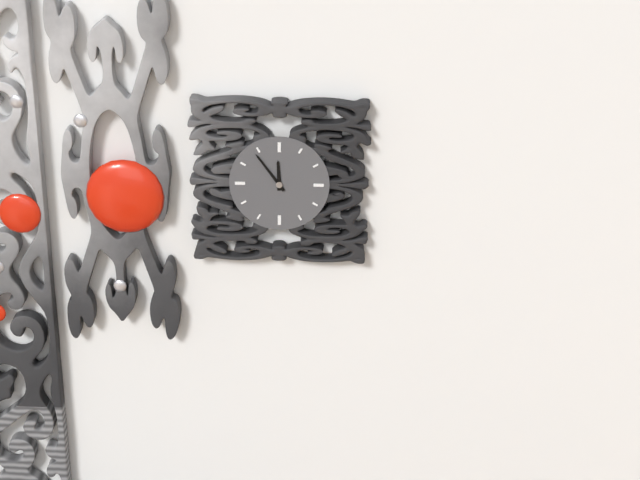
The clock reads **11:54**
